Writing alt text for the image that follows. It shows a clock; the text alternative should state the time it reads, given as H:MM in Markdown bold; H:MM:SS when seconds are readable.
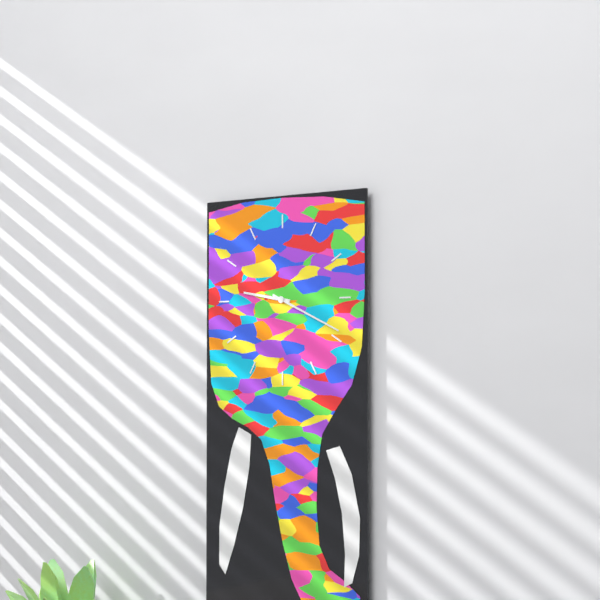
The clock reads **9:19**
